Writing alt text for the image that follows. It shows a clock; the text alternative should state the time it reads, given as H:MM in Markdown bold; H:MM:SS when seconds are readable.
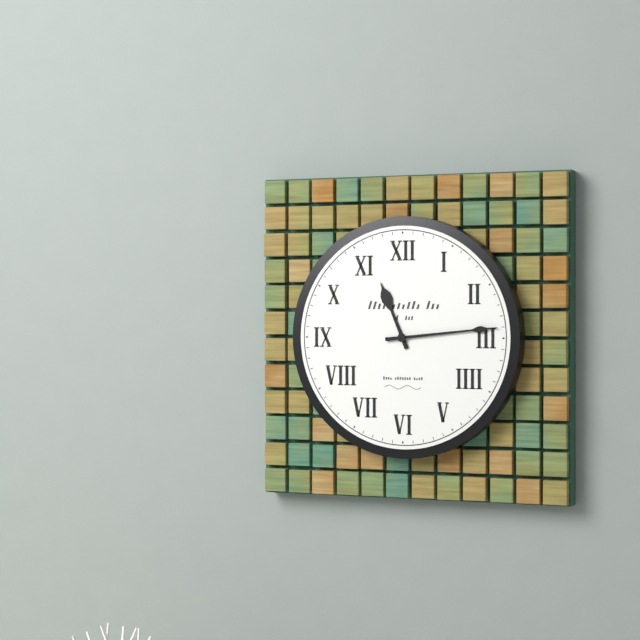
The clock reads **11:14**
